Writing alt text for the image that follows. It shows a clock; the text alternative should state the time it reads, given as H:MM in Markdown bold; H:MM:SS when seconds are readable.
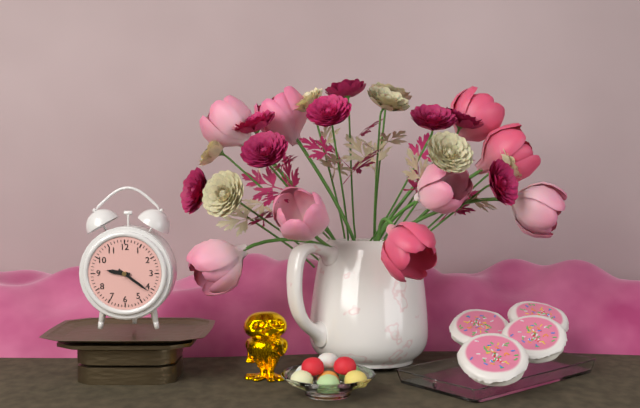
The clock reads **9:21**
